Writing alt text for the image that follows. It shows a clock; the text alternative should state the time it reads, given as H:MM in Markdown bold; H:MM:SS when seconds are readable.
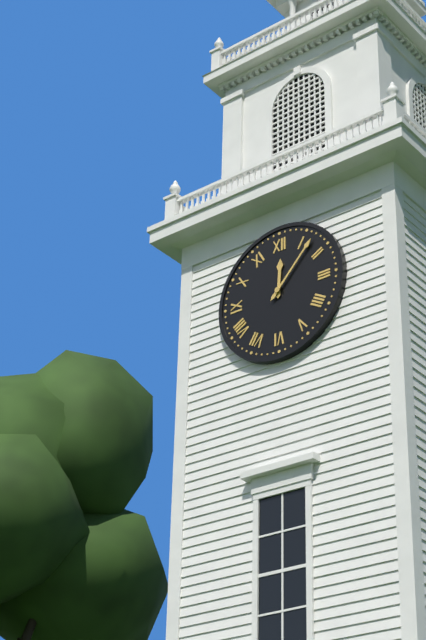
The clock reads **12:07**
